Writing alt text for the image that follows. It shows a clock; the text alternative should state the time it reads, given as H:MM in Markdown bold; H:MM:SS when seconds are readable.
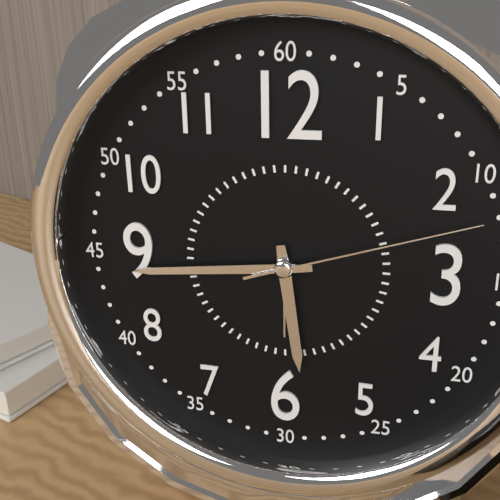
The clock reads **5:44:12**
